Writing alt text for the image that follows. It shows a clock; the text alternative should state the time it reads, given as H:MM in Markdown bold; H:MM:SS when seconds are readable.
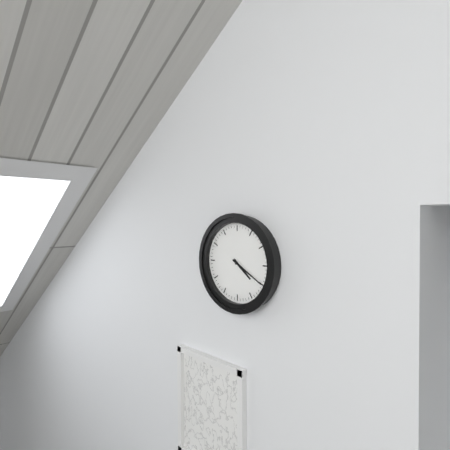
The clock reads **4:20**
